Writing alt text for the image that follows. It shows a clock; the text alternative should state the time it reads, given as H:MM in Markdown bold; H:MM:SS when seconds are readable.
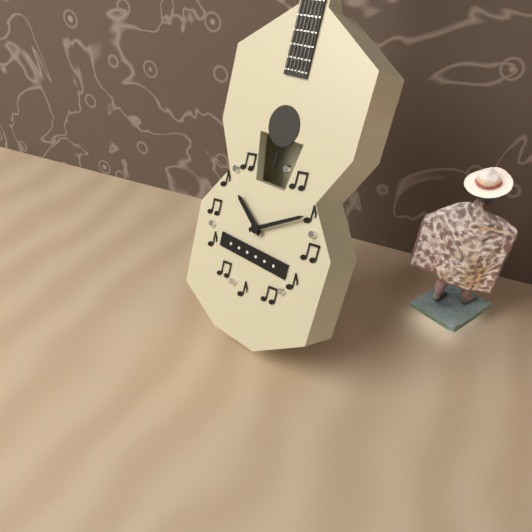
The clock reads **10:10**
